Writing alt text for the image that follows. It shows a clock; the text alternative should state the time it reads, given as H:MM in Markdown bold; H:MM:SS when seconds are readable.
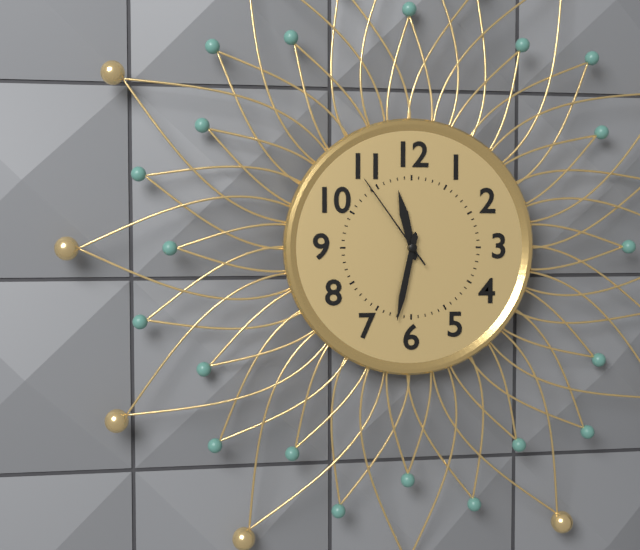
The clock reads **11:32:54**
